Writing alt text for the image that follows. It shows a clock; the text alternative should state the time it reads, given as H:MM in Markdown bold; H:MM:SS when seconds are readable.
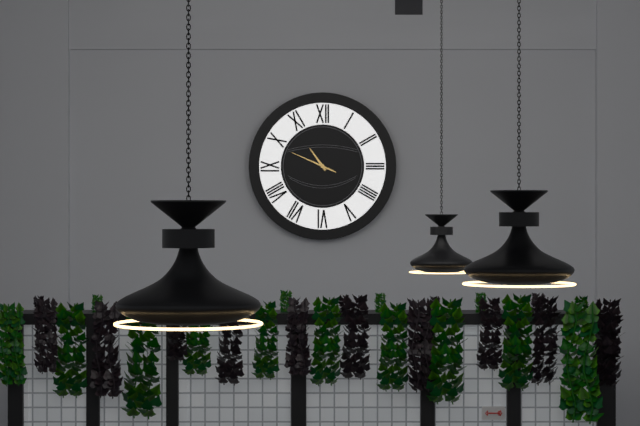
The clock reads **10:49**
